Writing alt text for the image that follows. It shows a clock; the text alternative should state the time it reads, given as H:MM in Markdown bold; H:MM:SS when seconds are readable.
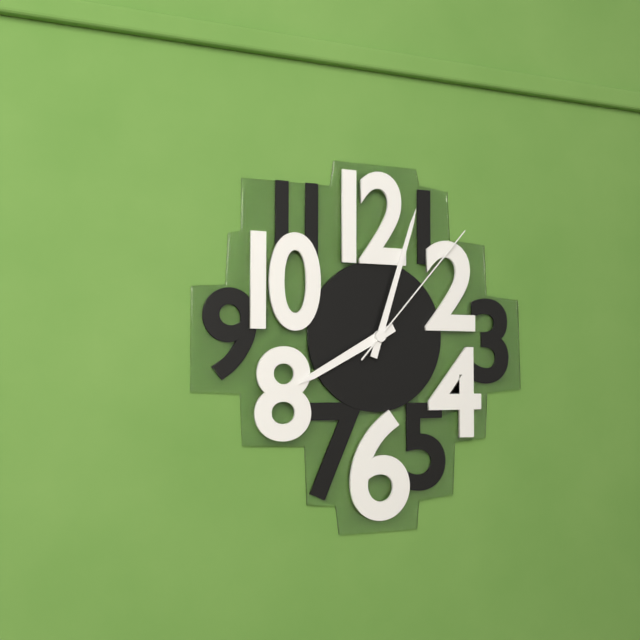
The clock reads **8:03:07**
